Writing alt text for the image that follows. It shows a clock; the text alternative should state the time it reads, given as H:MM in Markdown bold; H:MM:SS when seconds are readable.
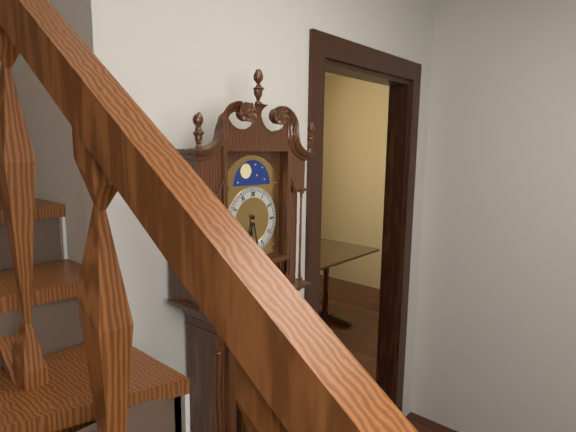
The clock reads **6:28**
